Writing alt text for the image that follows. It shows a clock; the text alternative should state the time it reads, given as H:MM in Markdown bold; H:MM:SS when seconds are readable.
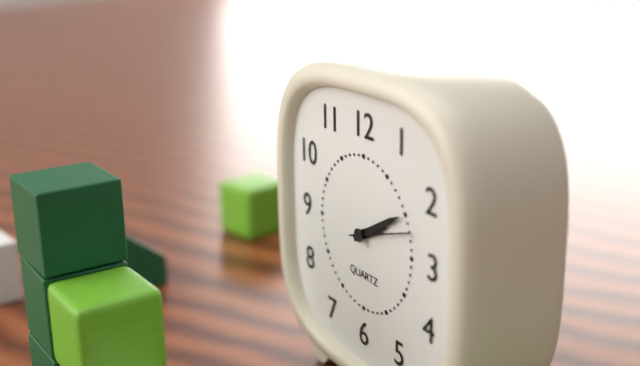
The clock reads **2:10:12**
